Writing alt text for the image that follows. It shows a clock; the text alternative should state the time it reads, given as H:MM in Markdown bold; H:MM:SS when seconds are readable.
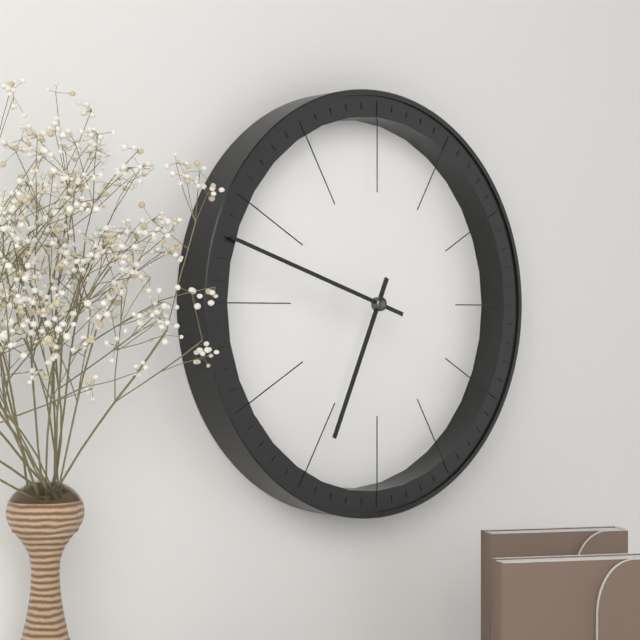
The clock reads **6:48**
